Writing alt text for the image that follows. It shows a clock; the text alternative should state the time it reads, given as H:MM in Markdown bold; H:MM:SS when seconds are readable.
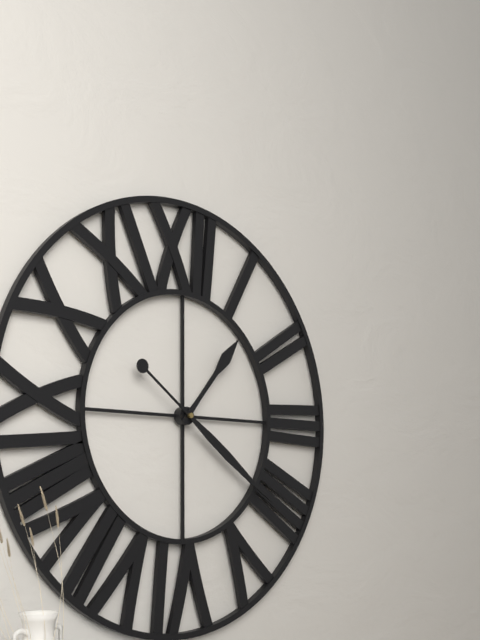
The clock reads **1:21**
